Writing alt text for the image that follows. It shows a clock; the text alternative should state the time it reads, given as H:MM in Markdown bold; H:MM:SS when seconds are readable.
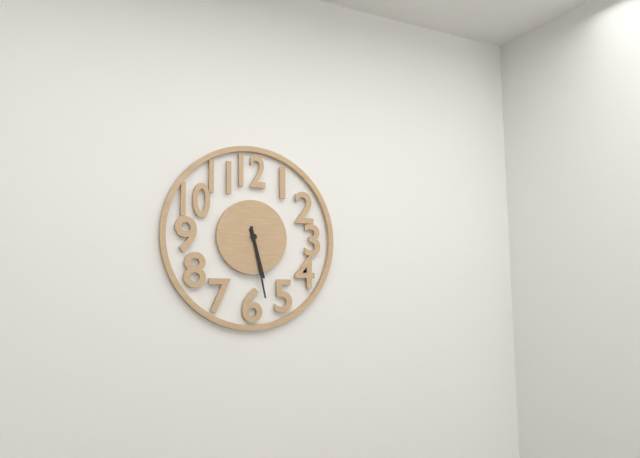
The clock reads **5:28**
